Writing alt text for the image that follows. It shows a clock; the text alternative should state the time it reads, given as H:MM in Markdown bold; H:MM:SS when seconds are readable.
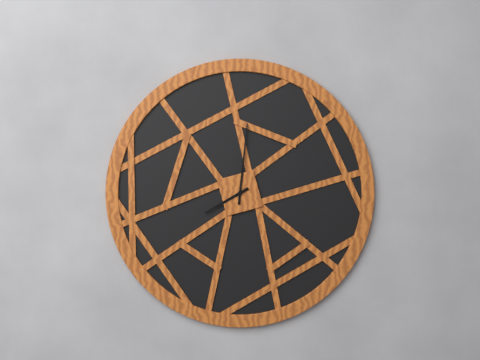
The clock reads **8:01**
